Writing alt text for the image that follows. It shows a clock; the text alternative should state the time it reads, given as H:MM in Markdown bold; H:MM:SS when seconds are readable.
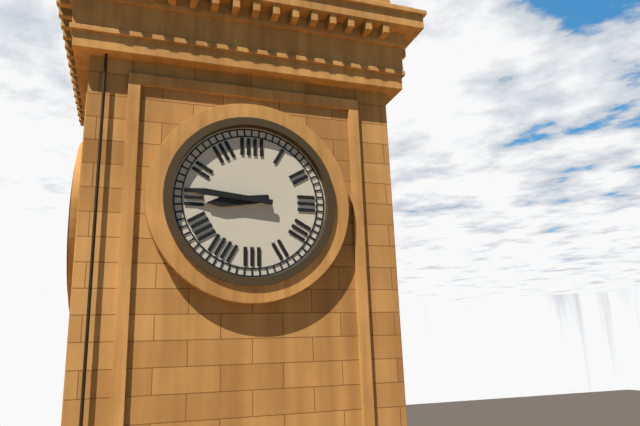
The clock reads **8:46**
